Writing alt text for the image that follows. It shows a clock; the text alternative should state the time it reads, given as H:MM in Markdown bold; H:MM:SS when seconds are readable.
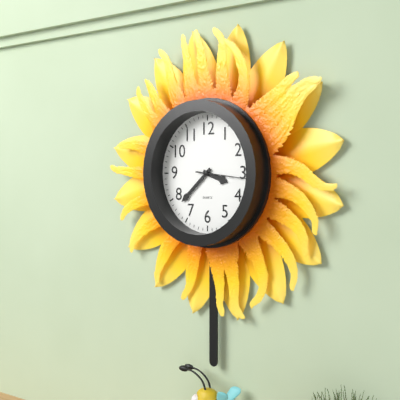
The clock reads **3:38:16**
